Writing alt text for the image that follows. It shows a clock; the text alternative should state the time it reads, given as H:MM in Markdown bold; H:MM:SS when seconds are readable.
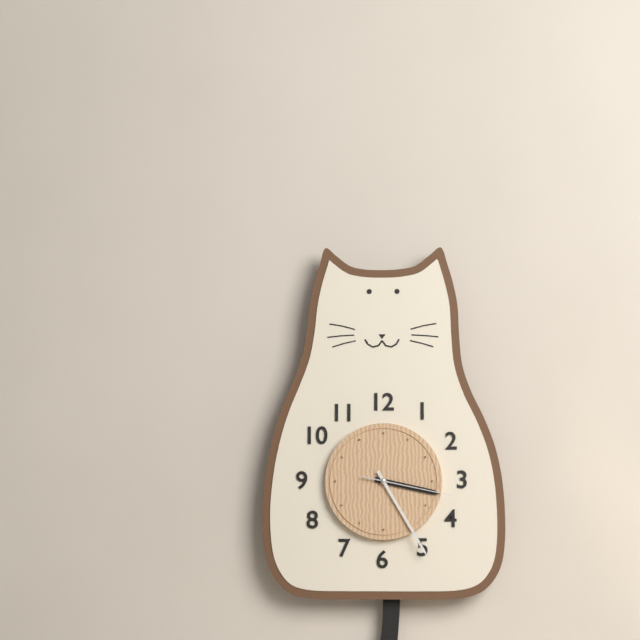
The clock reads **3:25:17**
